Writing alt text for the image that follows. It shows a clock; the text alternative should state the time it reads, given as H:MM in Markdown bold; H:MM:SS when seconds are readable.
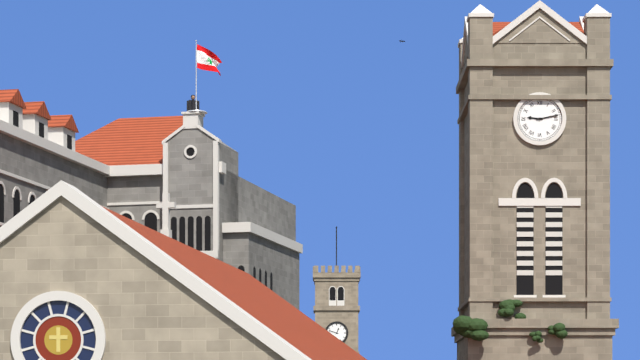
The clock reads **9:13**
